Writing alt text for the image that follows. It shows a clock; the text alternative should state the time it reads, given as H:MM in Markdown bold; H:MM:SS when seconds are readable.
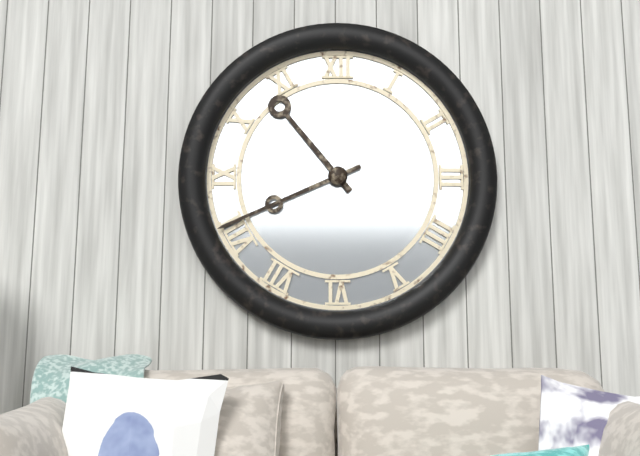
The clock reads **10:41**
